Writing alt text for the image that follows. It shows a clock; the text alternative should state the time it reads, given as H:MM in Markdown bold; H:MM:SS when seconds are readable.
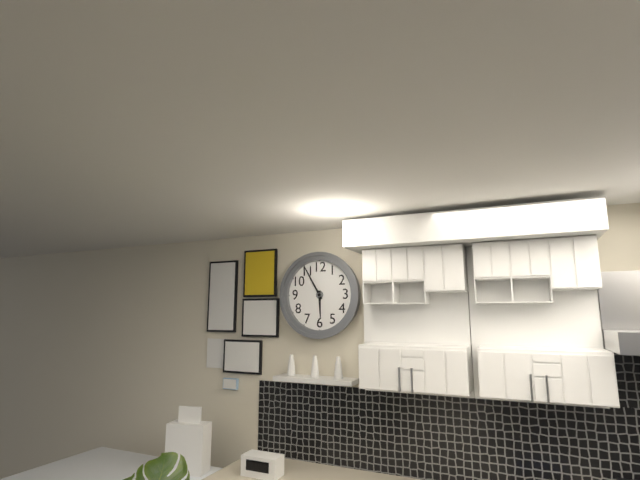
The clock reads **5:55**
